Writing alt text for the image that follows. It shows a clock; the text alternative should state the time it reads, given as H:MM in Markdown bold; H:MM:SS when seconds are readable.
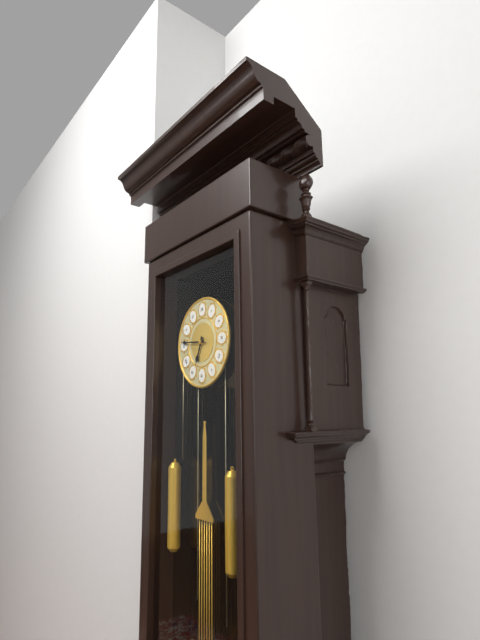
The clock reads **6:46**
